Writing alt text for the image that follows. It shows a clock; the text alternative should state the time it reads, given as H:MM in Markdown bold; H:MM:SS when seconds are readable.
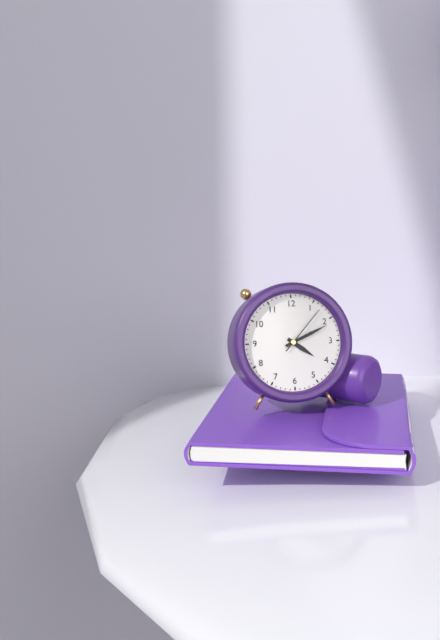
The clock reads **4:11:07**
